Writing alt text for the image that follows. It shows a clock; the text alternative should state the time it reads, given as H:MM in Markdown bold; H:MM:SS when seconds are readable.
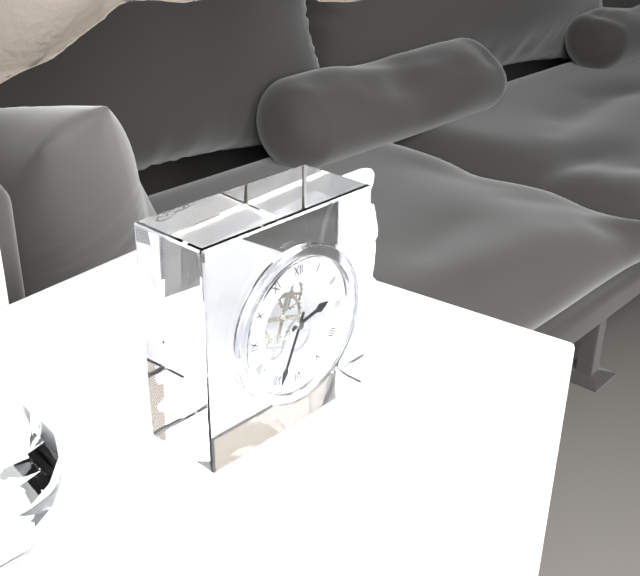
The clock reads **2:34**
